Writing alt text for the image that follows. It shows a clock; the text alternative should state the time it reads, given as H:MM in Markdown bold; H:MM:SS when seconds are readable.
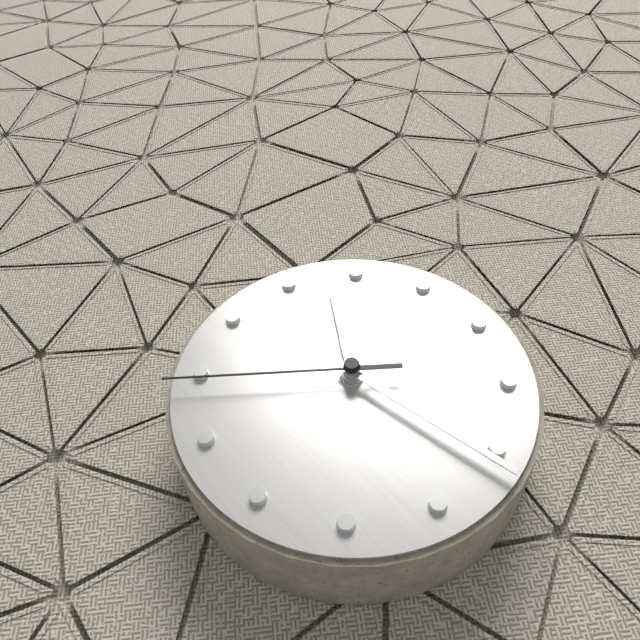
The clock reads **2:36:59**
